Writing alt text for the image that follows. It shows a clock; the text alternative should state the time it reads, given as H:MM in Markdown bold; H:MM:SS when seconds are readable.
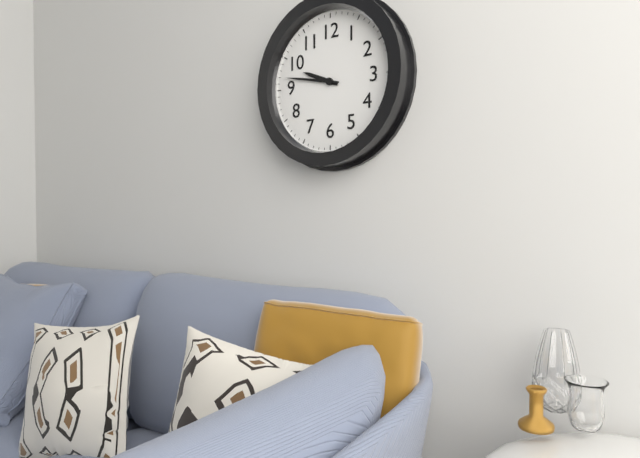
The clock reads **9:47**
